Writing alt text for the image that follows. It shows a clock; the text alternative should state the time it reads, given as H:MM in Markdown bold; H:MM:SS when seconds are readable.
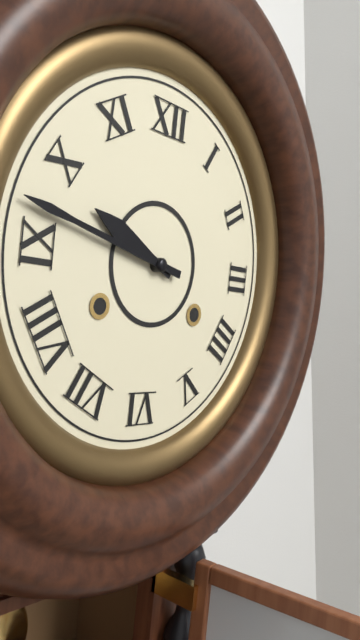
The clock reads **9:47**
